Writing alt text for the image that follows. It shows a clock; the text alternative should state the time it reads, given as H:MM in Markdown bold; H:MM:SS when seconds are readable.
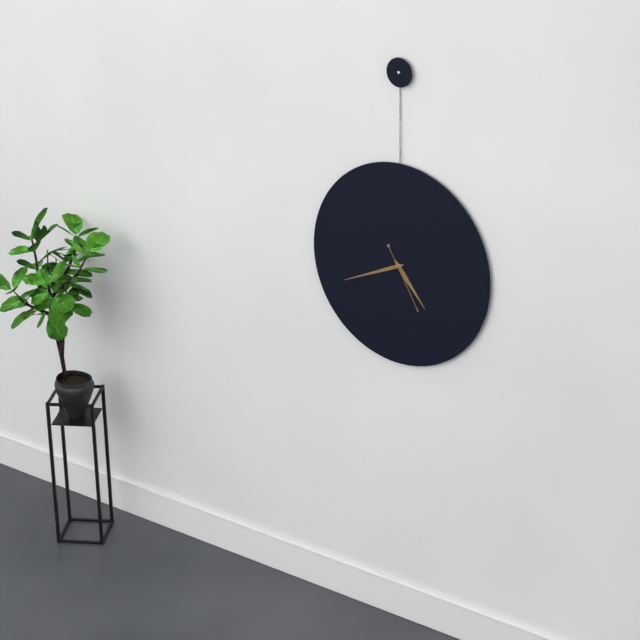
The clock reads **4:41:25**
